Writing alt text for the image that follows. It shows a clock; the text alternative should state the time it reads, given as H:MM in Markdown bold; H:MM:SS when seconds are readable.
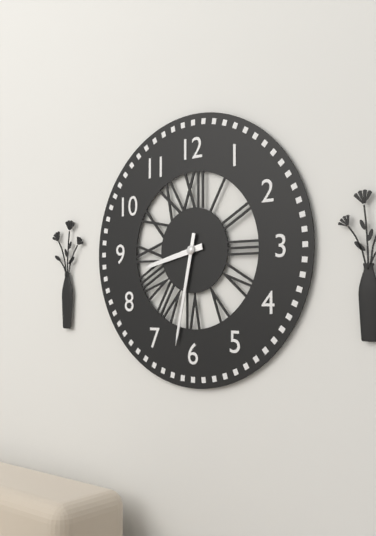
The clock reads **8:32**
